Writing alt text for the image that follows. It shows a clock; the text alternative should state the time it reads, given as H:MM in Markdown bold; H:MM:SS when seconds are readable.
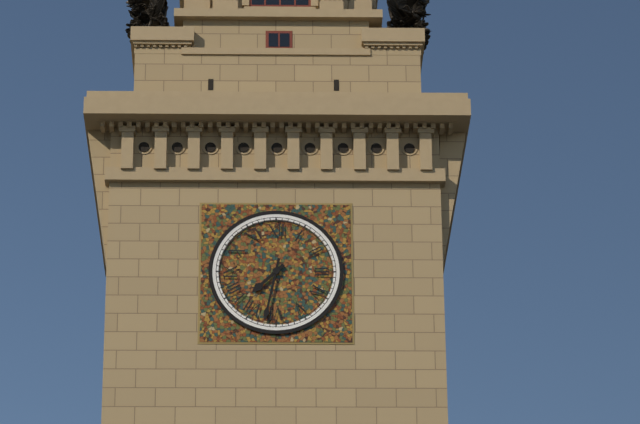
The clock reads **7:32**
